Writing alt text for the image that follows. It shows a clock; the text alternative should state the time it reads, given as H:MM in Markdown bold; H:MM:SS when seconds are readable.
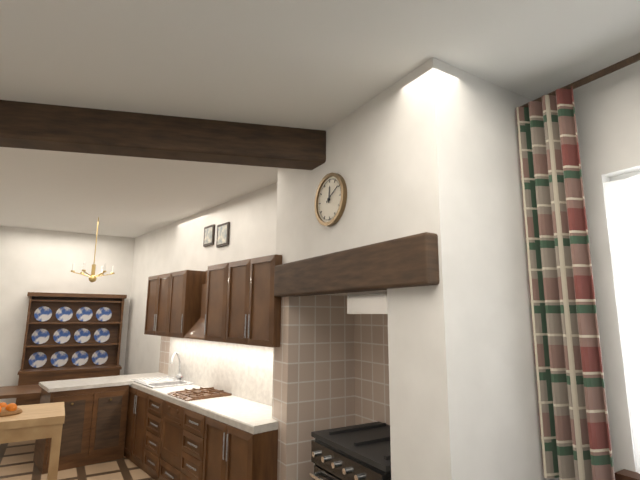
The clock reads **12:10**
